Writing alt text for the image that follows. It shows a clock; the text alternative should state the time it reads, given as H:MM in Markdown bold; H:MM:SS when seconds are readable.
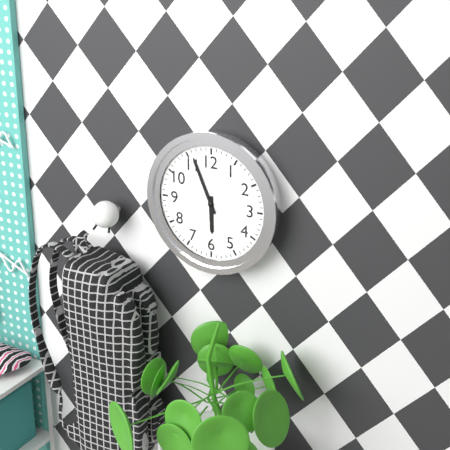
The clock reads **5:56**
